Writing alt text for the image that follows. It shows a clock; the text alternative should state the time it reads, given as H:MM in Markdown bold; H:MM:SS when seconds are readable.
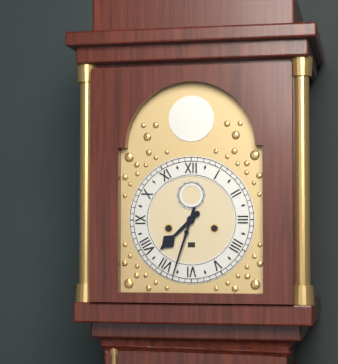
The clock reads **7:33**
